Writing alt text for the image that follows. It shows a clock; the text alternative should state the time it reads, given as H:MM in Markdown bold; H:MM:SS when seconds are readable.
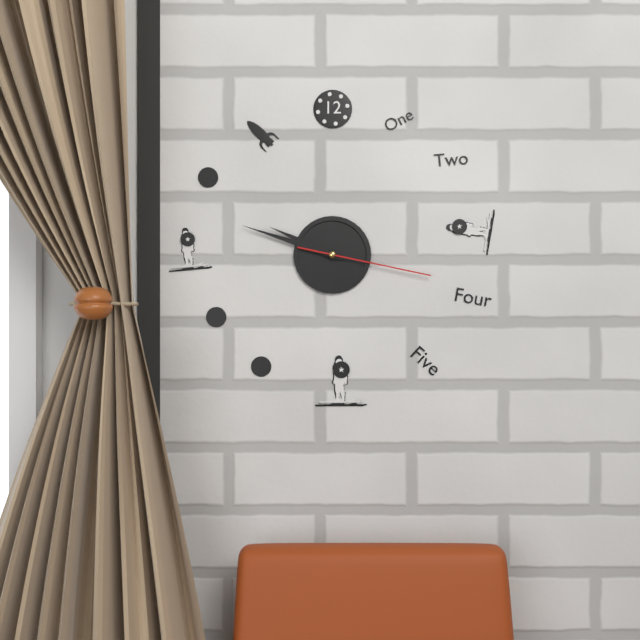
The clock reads **9:48:17**
